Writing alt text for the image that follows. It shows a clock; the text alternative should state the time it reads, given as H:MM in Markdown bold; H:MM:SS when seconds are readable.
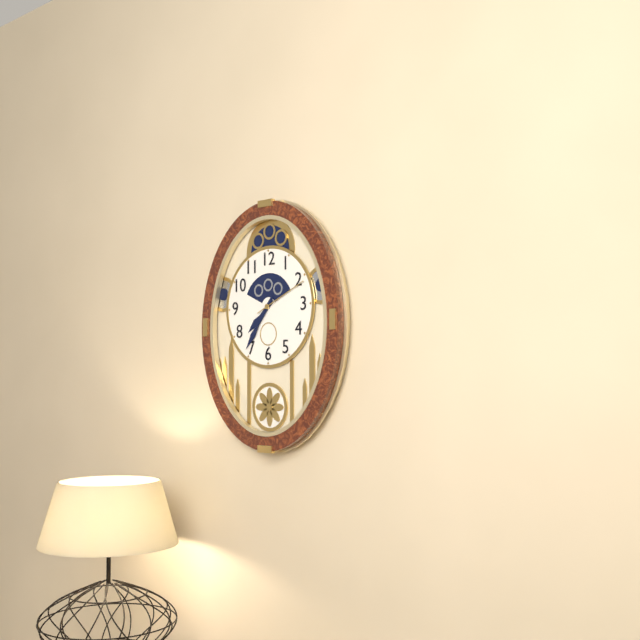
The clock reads **7:36**
